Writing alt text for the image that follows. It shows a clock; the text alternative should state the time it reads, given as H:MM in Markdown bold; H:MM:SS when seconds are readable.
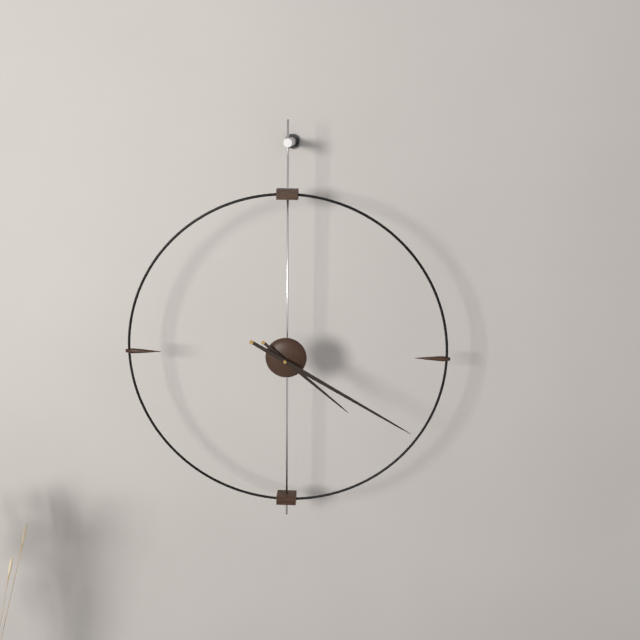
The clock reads **4:20**
